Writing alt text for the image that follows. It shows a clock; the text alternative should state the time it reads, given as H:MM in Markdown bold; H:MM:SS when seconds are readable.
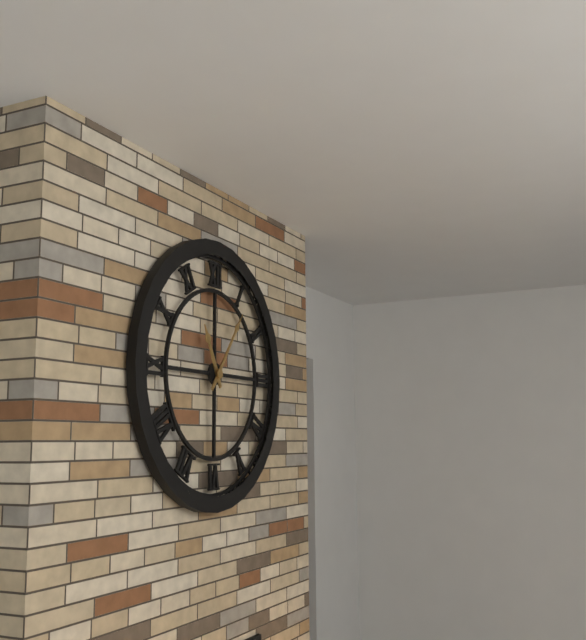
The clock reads **11:06**
